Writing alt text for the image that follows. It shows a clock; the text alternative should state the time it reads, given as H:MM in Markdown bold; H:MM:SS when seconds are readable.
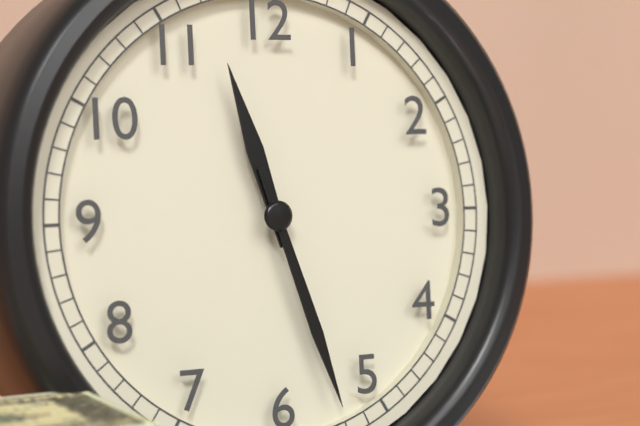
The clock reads **11:27**
